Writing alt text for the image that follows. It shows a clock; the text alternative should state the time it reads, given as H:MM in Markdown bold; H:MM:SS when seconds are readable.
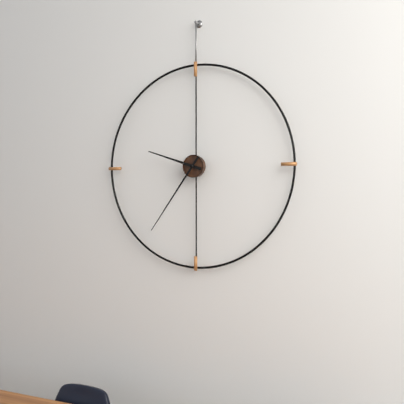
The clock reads **9:36**
